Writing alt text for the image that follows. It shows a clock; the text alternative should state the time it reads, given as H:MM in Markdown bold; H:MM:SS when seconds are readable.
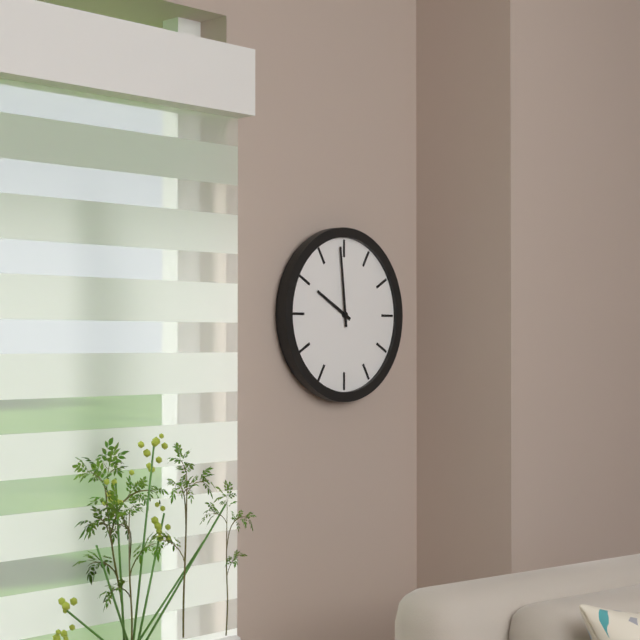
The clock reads **9:59**
